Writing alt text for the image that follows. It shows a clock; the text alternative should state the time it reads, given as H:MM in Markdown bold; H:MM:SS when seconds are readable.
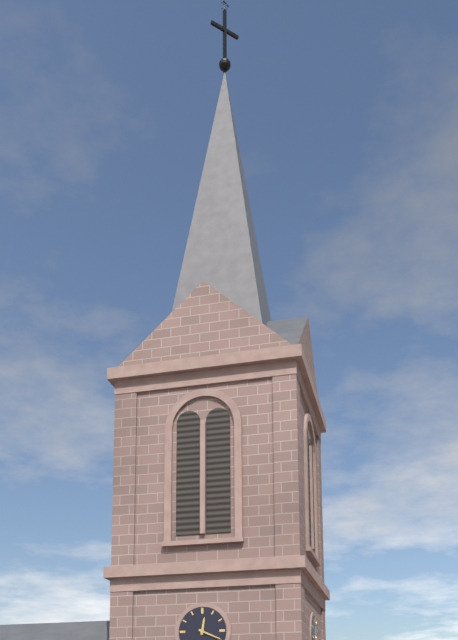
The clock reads **12:19**
